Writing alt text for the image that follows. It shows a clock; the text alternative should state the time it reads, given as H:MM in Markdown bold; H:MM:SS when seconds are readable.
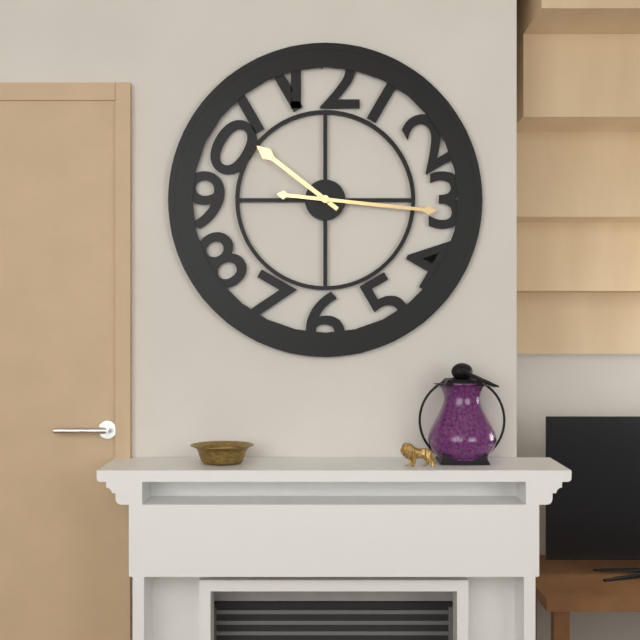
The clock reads **10:16**
